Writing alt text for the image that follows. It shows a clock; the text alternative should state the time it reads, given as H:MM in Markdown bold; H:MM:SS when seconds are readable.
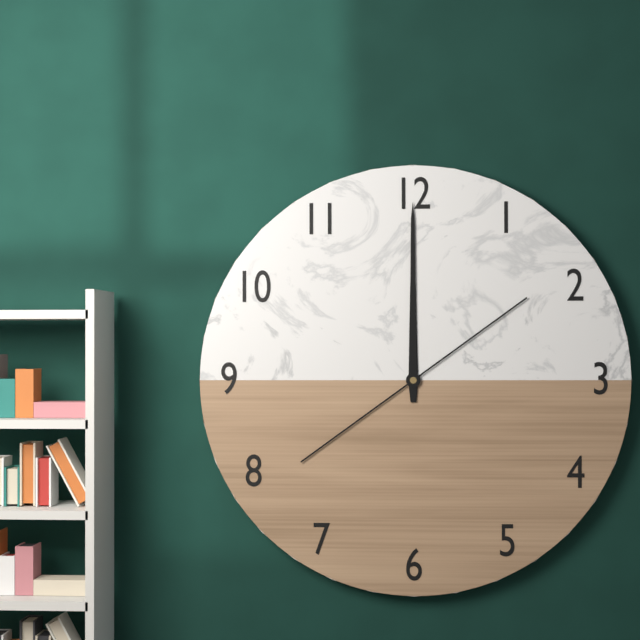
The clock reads **12:00**
